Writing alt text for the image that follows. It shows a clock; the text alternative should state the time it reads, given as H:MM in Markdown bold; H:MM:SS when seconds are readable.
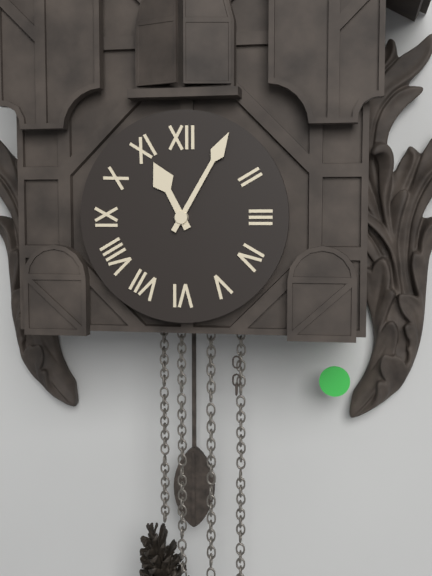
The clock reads **11:05**
